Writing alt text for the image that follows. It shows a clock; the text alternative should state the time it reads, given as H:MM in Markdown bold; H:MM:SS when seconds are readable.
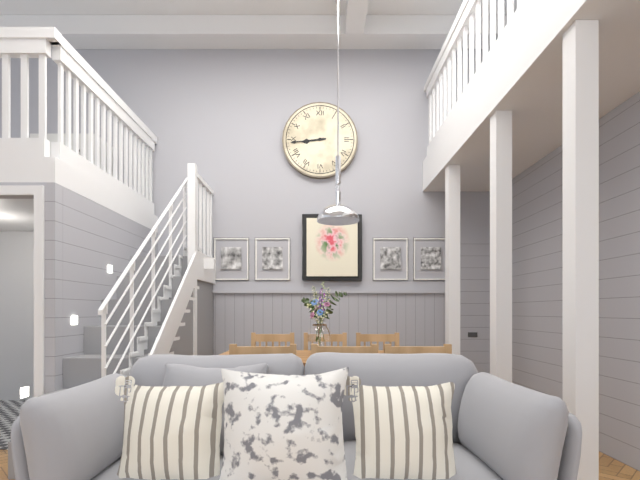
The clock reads **8:44**
